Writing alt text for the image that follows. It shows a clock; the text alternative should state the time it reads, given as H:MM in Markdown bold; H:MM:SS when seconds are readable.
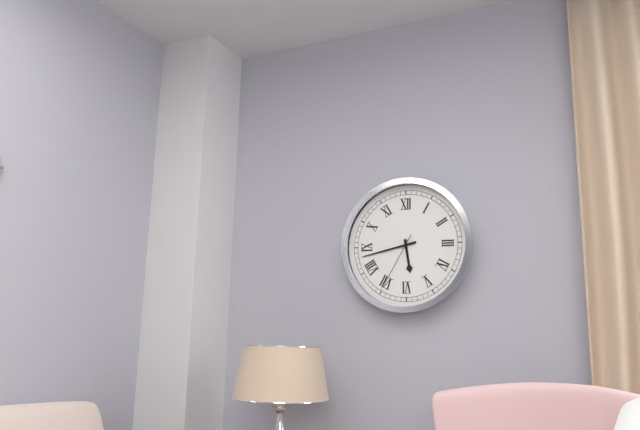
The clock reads **5:43:35**
